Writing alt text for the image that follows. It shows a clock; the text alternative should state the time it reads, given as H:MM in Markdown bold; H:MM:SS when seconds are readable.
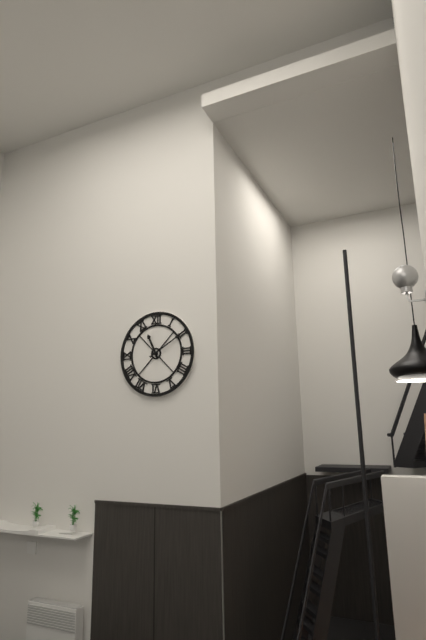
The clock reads **11:10**
